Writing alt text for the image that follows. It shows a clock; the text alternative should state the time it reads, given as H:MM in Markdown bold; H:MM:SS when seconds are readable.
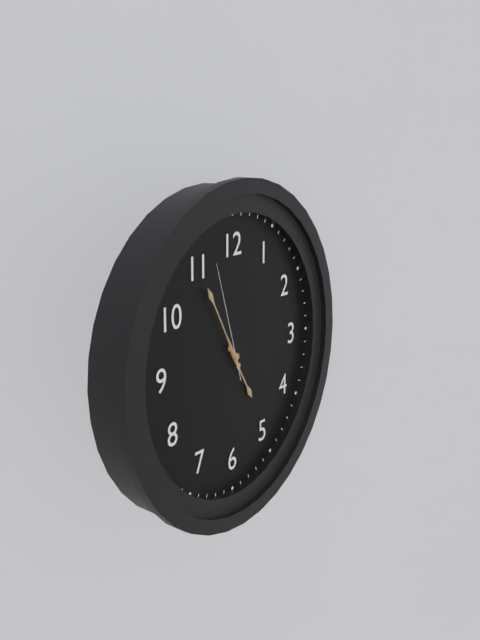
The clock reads **4:55:57**
